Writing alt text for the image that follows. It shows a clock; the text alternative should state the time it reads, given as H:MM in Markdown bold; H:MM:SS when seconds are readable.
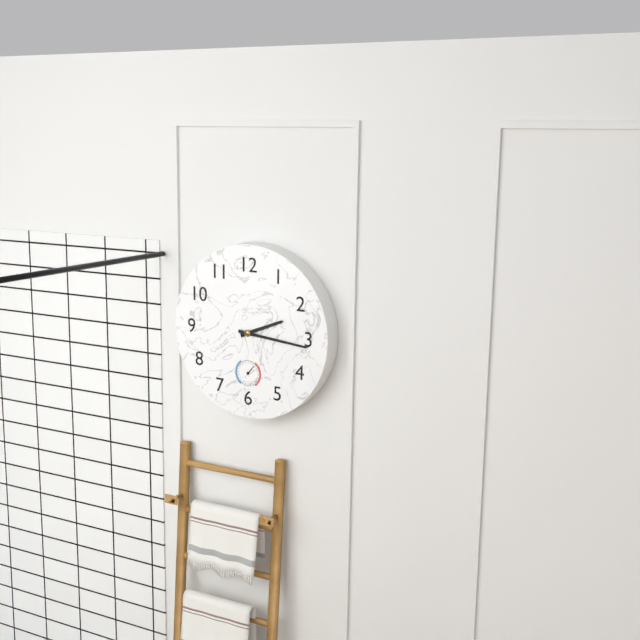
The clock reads **2:16**
